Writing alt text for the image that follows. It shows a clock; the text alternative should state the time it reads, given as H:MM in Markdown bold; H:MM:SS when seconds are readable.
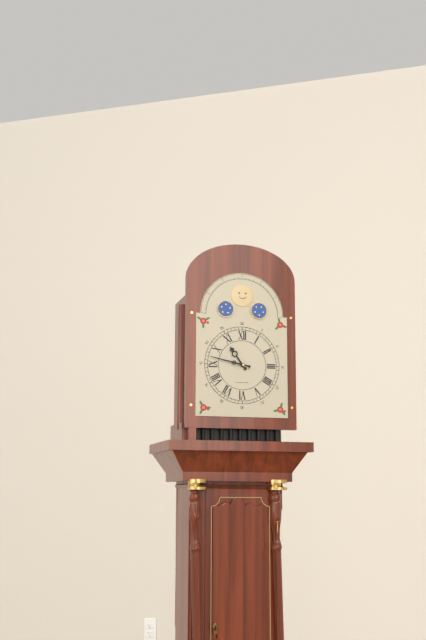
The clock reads **10:47**
